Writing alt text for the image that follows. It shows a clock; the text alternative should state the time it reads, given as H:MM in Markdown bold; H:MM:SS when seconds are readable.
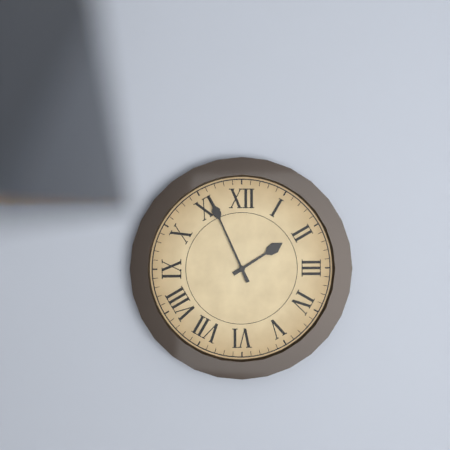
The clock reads **1:56**
